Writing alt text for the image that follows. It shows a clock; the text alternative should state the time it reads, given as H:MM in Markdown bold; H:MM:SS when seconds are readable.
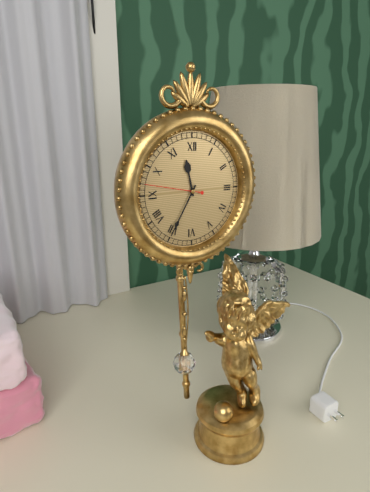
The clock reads **11:35:47**
